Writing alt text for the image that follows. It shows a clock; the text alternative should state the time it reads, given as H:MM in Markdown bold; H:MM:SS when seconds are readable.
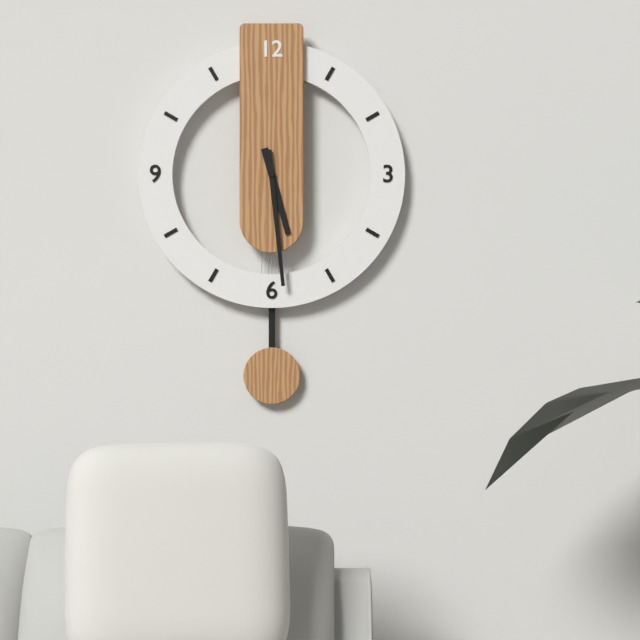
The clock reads **5:29**
